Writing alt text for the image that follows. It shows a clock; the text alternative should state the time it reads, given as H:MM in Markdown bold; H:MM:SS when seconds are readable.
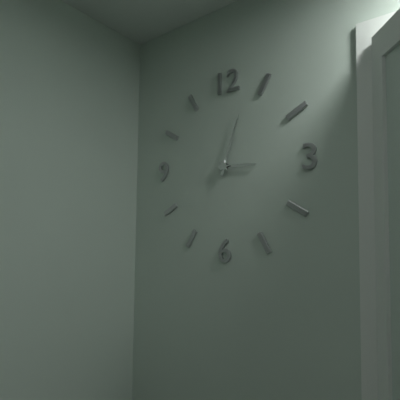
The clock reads **3:03**
